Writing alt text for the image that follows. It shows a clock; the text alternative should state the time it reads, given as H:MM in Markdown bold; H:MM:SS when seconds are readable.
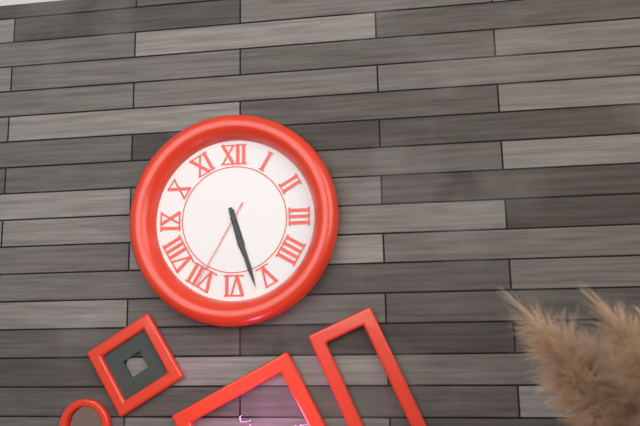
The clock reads **5:27:35**
